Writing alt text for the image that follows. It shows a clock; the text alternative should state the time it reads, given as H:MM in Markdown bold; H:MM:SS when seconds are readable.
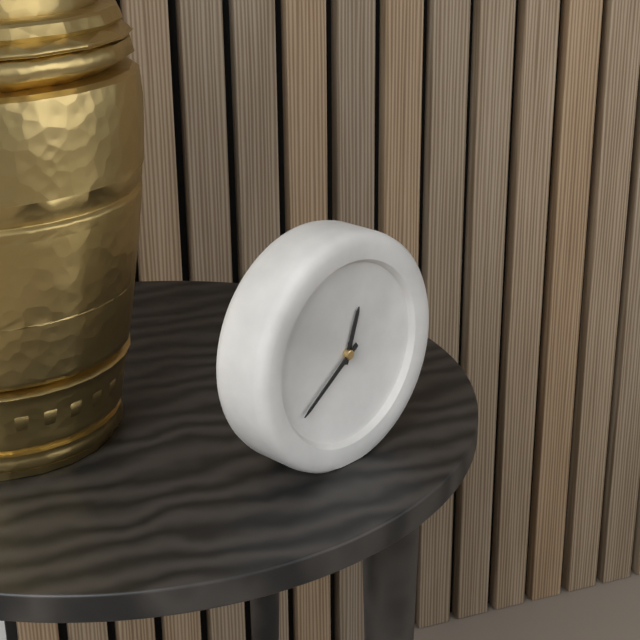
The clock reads **12:39**
